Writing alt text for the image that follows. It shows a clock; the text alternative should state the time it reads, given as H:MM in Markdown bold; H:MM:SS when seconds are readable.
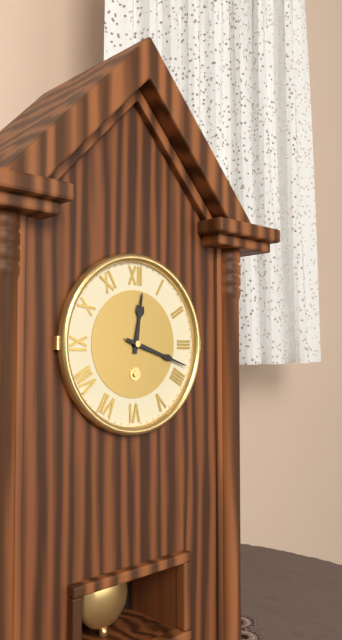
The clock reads **12:18**
